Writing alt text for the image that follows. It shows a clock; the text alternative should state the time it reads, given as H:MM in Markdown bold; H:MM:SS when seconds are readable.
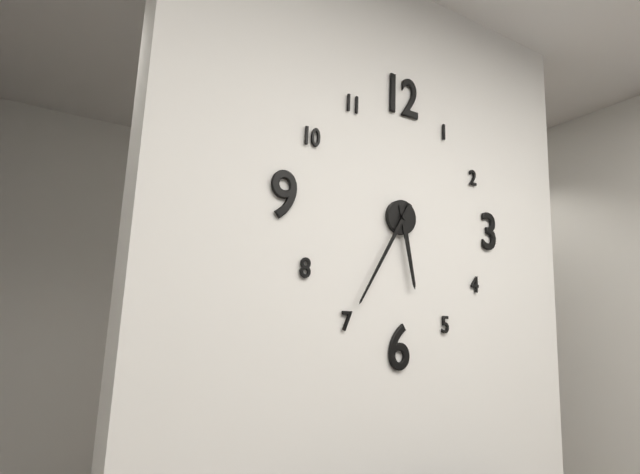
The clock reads **5:35**
